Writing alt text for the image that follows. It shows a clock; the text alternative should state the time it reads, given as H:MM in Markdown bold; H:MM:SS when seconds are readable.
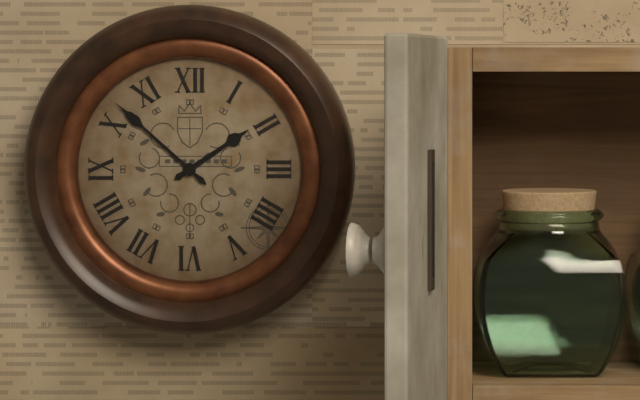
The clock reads **1:52**
